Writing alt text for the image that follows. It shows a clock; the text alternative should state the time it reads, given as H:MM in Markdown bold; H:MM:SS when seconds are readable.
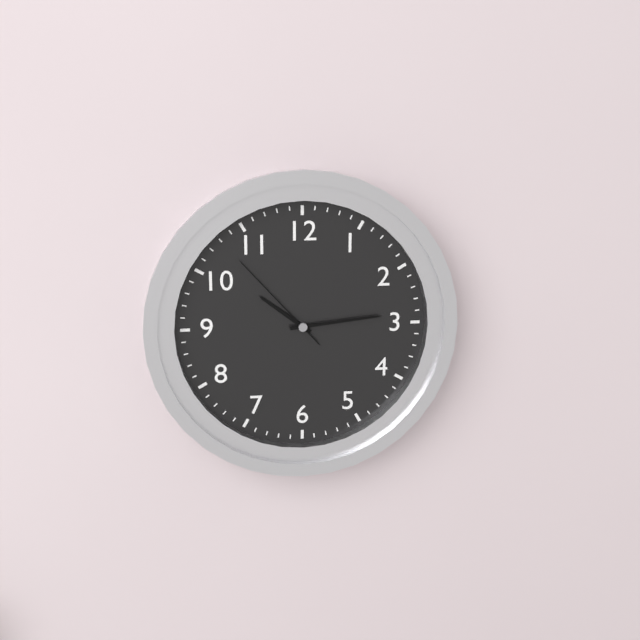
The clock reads **10:14:53**
